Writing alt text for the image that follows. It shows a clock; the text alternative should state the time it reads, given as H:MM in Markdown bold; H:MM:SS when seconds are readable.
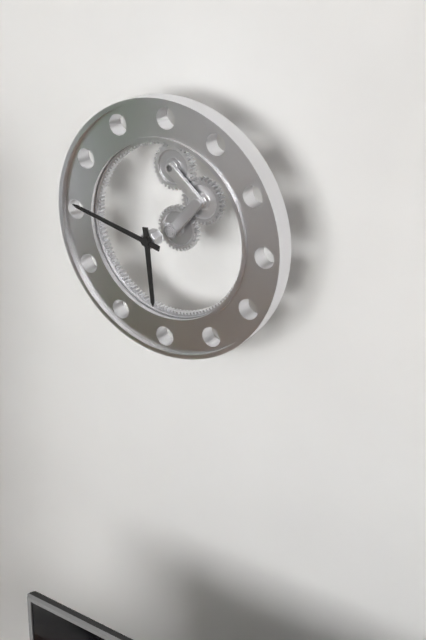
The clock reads **5:47**
